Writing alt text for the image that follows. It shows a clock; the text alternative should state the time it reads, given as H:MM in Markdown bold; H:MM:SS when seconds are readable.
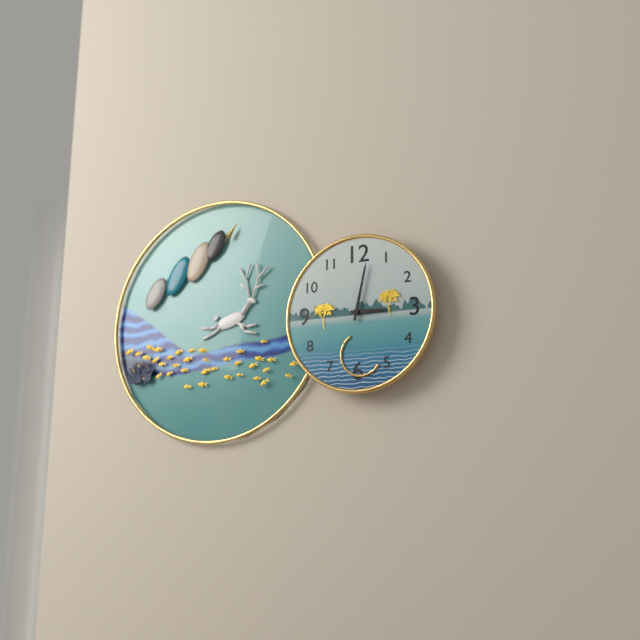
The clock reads **3:02**
